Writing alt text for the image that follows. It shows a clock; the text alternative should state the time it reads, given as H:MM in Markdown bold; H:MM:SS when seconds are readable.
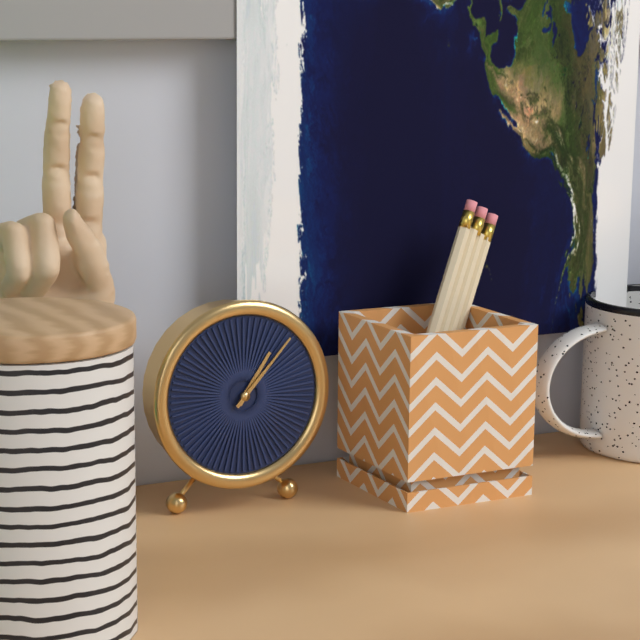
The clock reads **1:07**
